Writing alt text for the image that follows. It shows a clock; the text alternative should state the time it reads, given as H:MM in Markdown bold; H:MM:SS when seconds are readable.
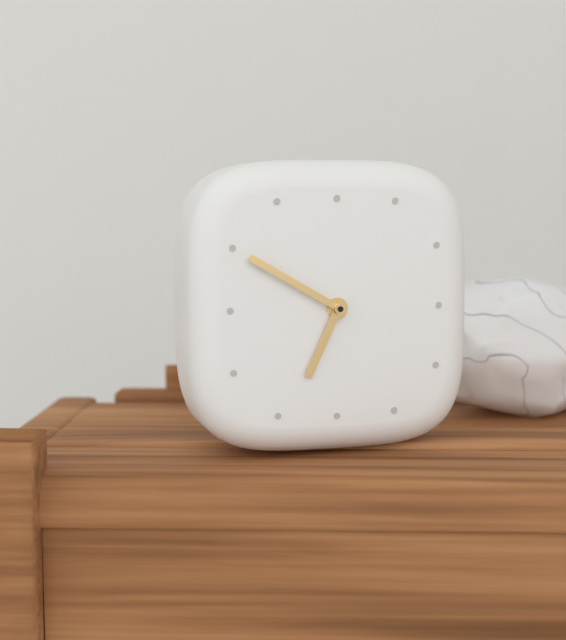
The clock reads **6:50**
